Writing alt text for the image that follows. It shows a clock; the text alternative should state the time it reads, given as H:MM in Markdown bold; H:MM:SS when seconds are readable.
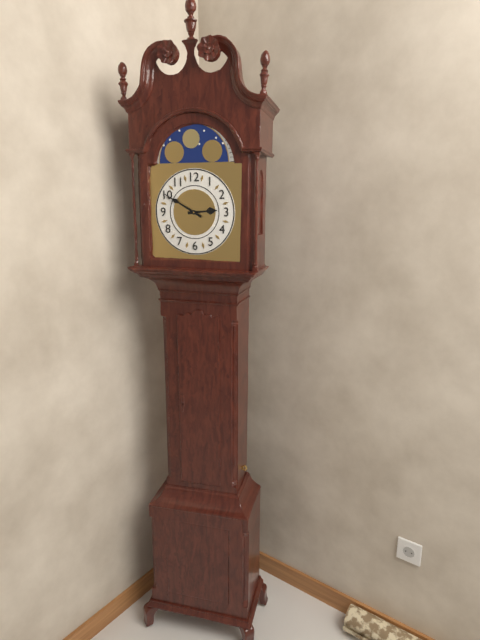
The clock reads **2:50**
